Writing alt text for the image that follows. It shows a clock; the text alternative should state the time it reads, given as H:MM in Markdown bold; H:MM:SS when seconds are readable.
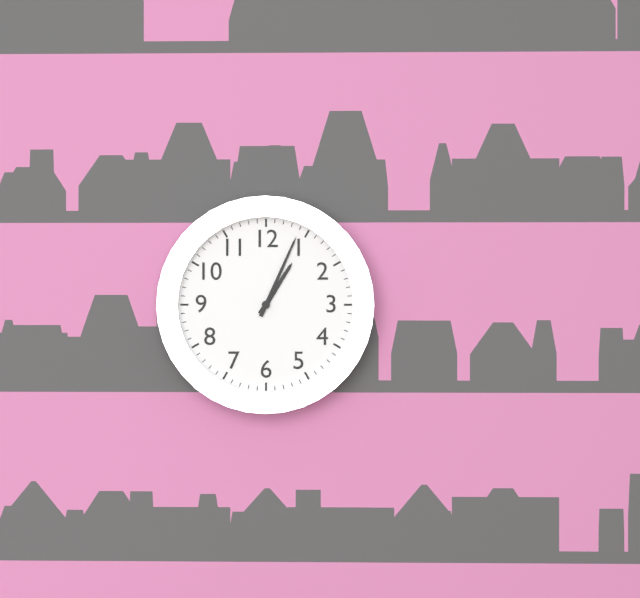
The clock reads **1:04**
